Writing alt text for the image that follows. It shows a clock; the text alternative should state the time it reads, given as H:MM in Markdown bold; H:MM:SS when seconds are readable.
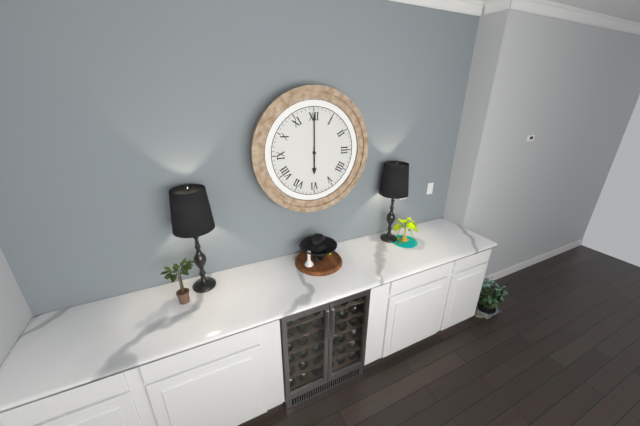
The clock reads **6:00**
